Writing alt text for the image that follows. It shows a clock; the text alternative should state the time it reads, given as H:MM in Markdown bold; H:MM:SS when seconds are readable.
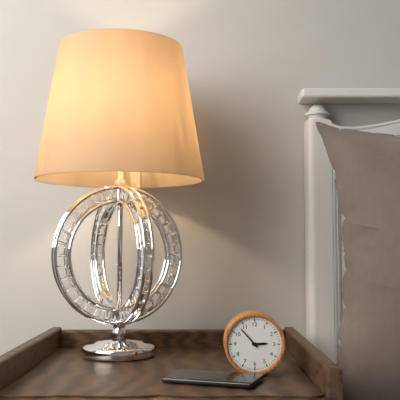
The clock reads **2:53**
